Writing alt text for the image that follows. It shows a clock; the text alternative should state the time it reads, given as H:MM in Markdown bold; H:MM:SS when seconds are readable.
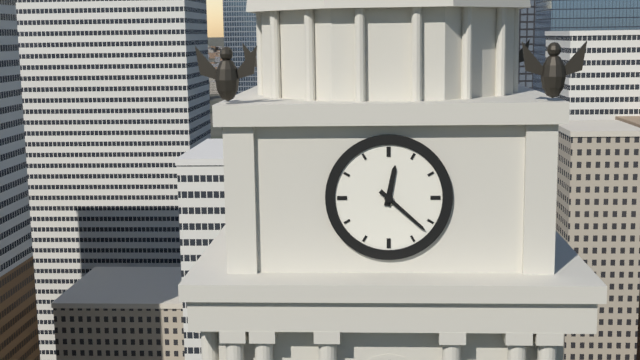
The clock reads **12:22**
